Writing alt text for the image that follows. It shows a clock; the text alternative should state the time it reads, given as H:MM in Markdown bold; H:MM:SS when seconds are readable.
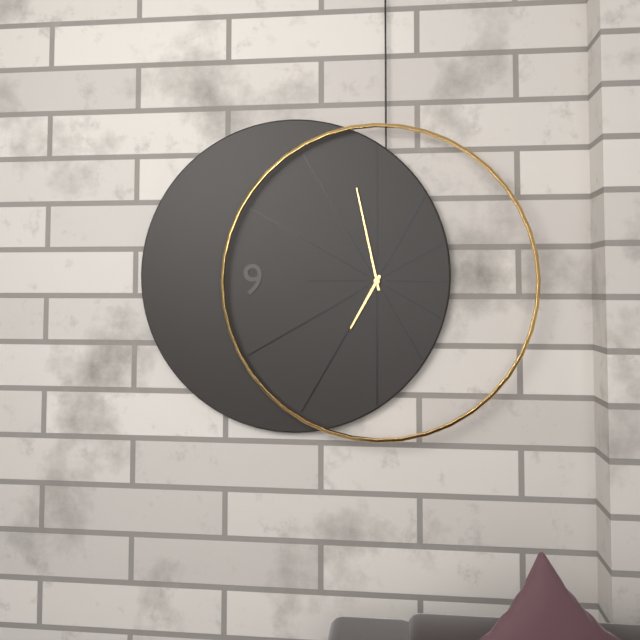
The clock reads **6:58**
